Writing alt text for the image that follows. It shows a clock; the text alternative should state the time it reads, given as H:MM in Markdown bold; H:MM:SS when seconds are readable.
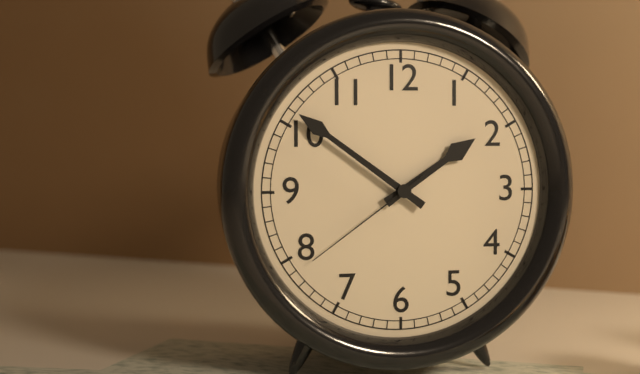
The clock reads **1:51:39**
